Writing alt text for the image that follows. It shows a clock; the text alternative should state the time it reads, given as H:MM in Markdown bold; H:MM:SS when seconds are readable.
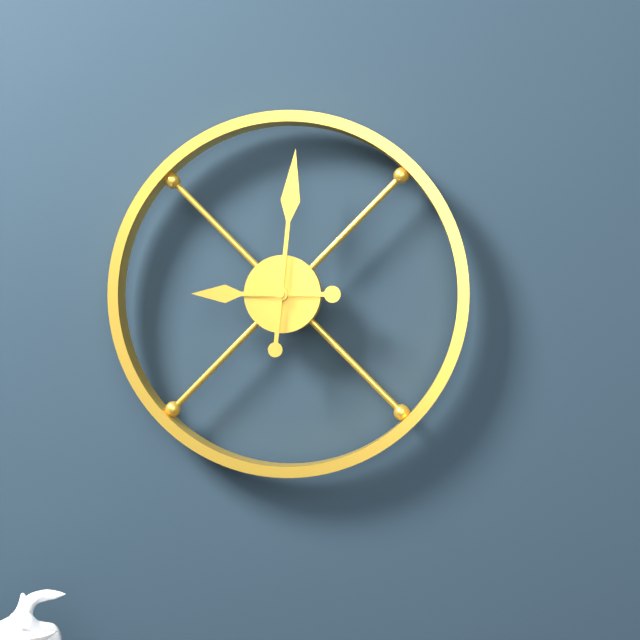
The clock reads **9:01**
